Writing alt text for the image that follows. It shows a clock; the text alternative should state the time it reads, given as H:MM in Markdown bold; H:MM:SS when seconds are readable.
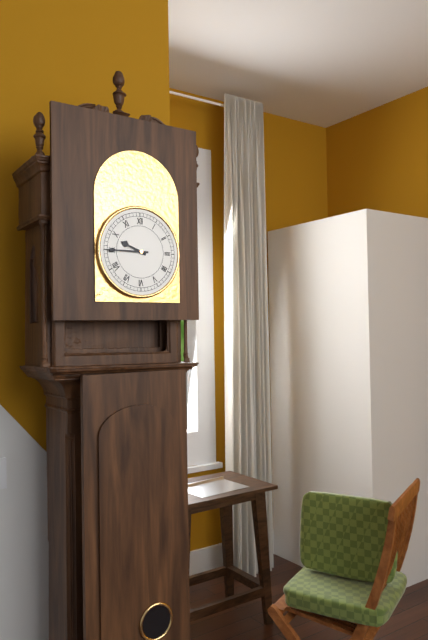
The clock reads **9:45**
